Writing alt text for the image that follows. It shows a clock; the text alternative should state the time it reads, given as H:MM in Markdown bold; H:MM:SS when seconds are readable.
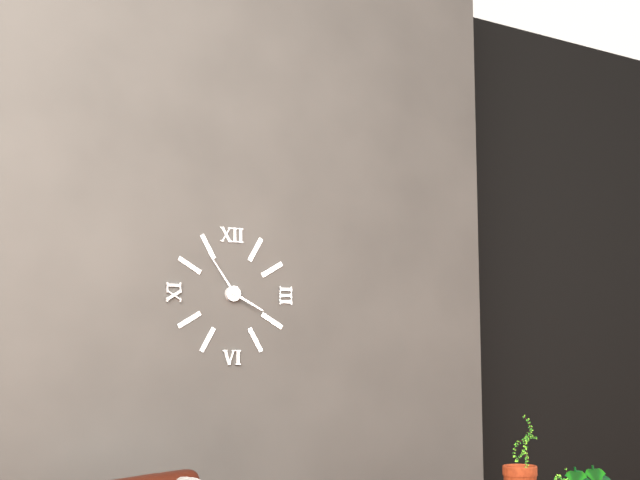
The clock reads **3:54**
